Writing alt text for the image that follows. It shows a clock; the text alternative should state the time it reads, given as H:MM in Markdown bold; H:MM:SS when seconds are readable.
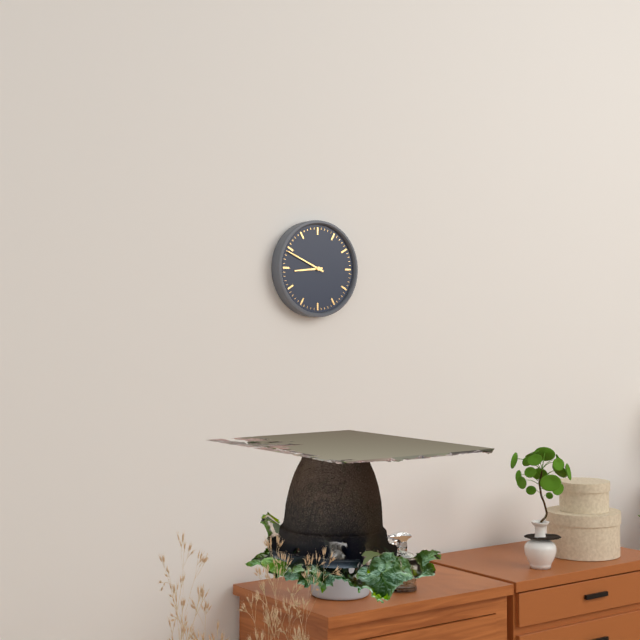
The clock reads **8:49**
